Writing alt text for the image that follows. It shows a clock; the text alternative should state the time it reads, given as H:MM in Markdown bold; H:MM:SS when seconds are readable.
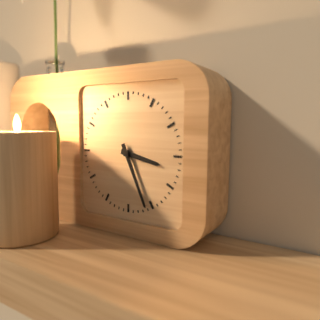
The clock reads **3:26**
